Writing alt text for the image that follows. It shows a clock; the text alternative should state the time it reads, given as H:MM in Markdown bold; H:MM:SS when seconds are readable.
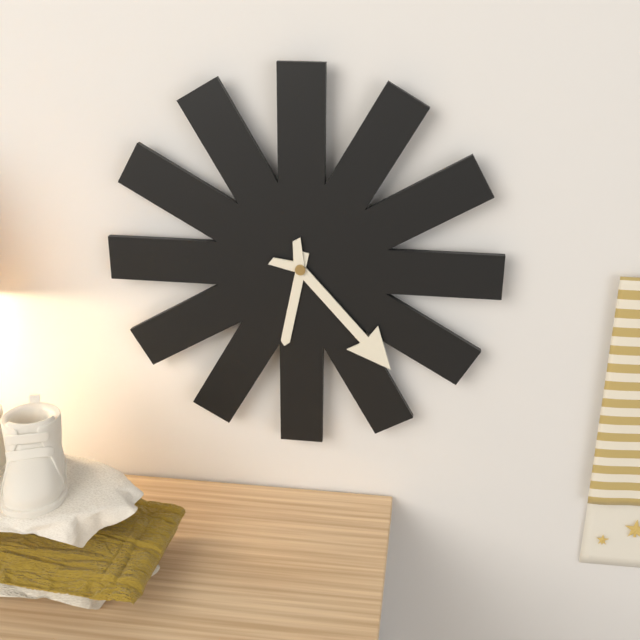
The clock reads **6:23**
